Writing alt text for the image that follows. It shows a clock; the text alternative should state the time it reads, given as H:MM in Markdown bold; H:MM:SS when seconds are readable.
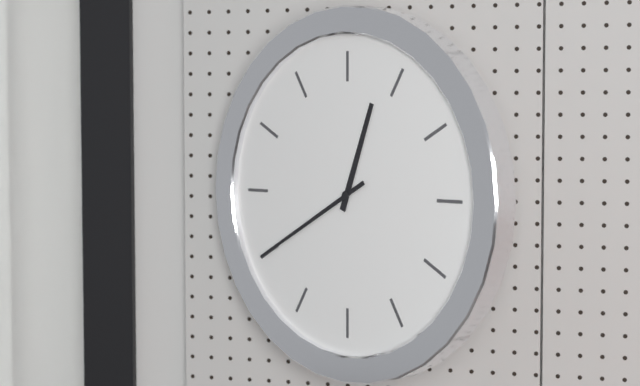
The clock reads **12:40**
